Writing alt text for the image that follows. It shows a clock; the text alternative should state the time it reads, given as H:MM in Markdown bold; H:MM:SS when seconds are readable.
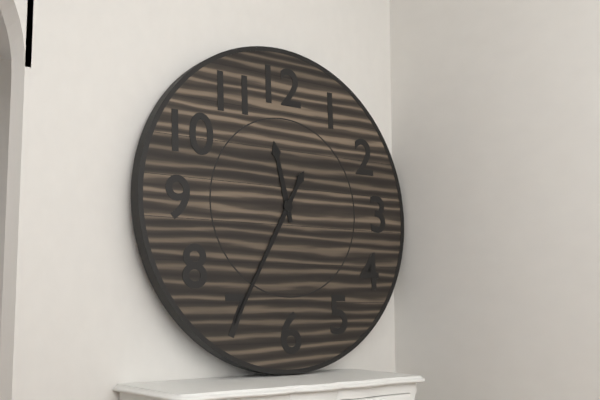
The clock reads **11:35**
